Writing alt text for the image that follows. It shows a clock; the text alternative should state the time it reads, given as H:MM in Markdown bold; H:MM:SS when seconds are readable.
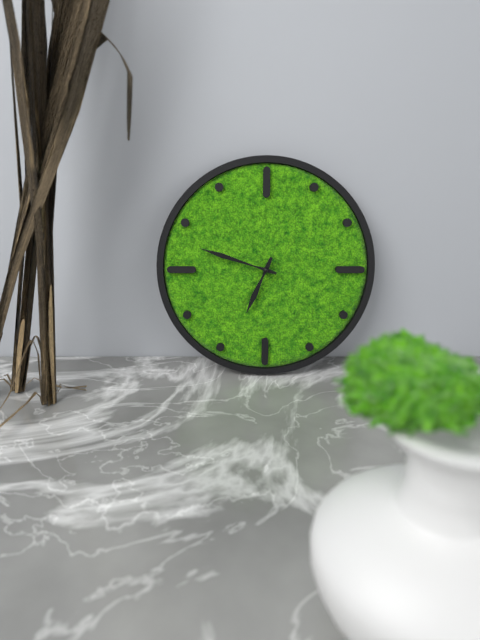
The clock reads **6:48**
